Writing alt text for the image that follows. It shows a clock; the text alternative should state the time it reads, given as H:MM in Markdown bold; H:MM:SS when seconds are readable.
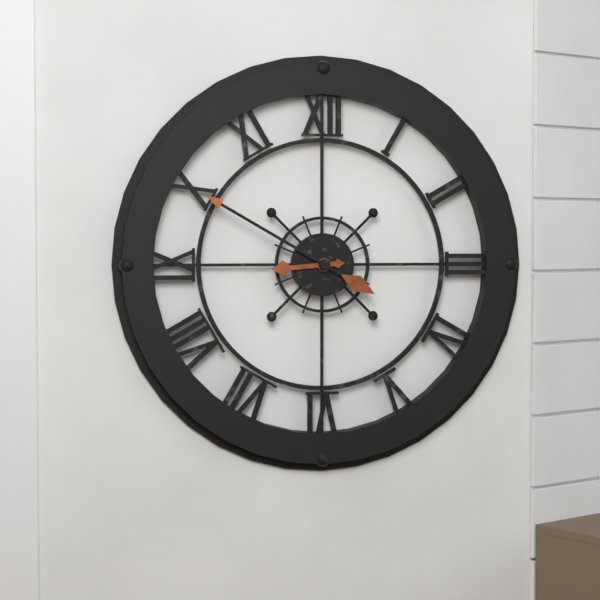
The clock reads **8:50**
